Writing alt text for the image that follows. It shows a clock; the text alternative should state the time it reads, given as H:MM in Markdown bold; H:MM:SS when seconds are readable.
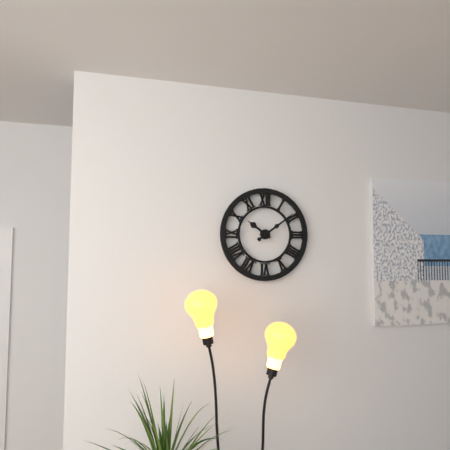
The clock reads **10:09**
